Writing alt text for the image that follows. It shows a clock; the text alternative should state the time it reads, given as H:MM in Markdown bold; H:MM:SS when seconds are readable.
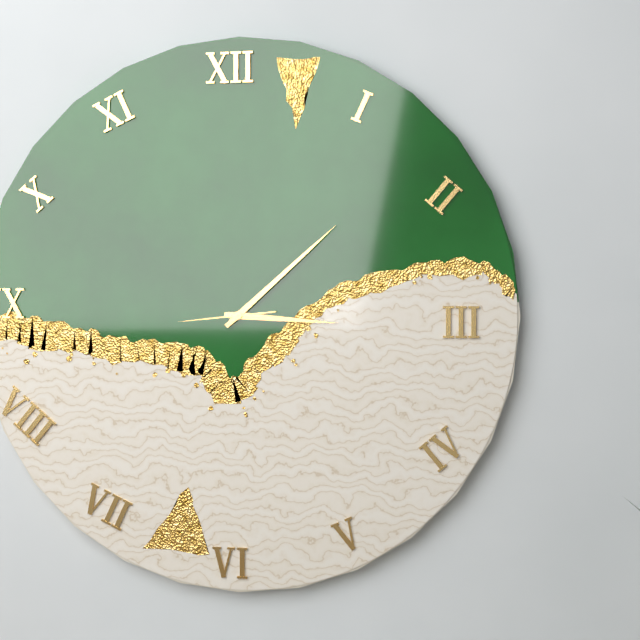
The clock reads **3:08:44**
